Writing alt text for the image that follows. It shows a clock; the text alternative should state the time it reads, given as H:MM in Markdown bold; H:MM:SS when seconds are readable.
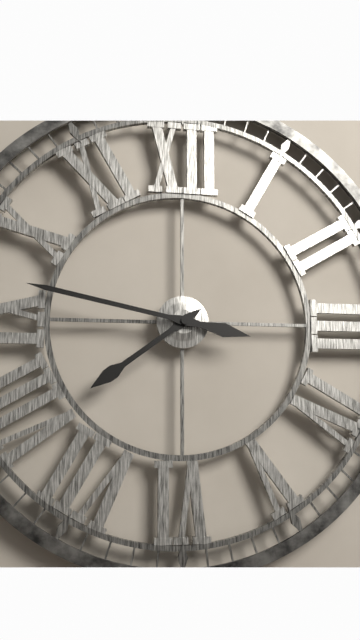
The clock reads **7:47**
